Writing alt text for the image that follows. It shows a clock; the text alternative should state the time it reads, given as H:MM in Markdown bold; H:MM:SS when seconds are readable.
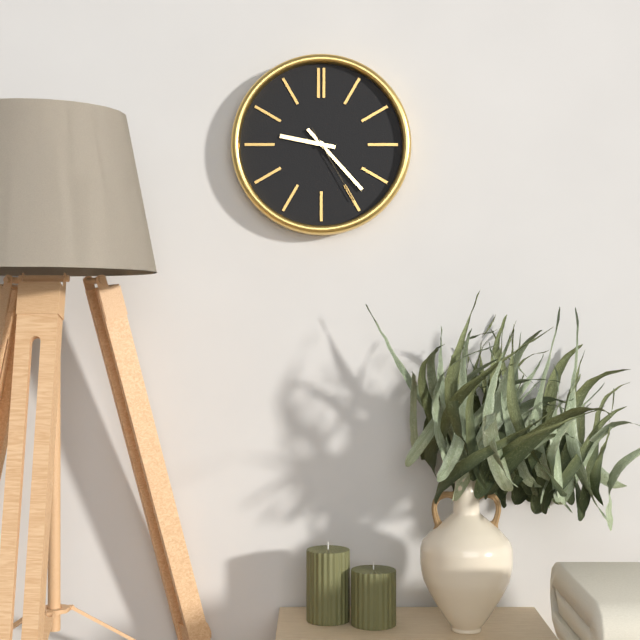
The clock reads **9:23:25**
